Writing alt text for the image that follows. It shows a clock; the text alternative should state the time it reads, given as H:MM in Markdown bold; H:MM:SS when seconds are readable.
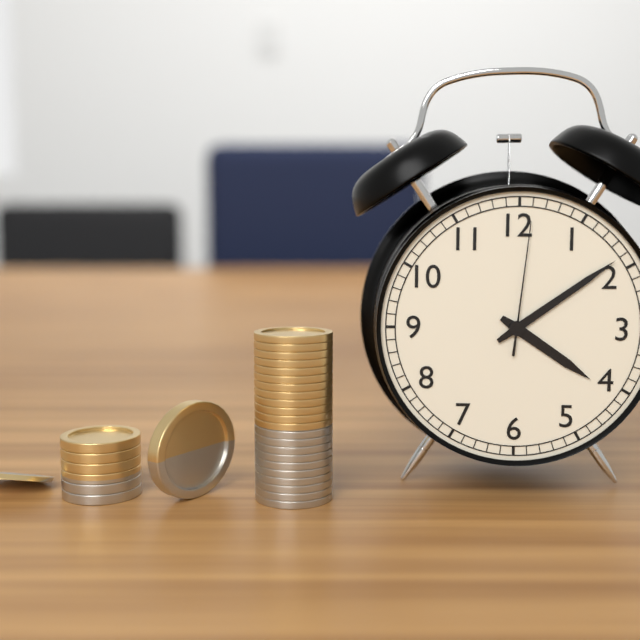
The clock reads **4:09:01**
